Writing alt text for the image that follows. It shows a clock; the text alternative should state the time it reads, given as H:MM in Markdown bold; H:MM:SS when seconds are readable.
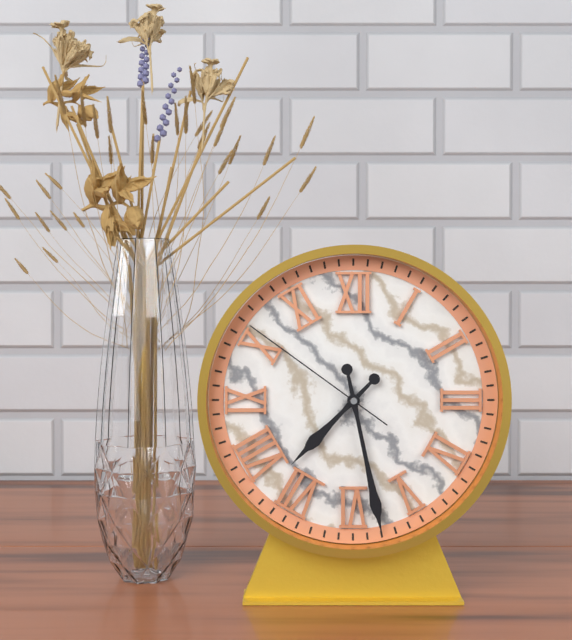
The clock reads **7:28:51**
